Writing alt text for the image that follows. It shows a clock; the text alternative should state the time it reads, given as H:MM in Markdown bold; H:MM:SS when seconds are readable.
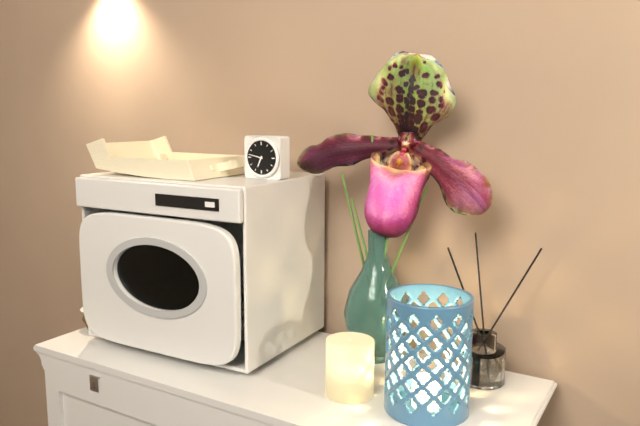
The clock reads **6:47**
